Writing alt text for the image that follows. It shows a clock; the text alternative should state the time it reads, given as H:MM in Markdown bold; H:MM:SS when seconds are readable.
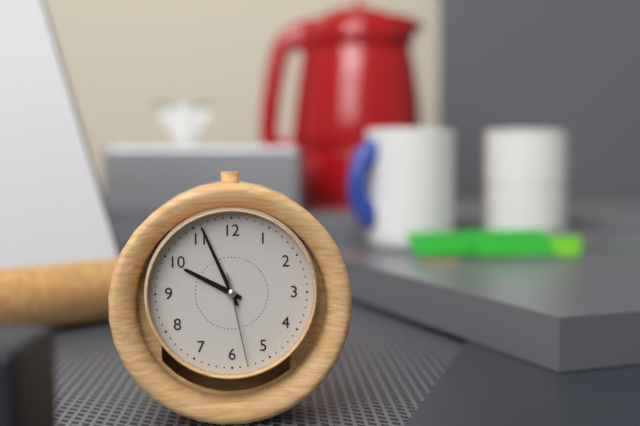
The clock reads **9:56:28**
